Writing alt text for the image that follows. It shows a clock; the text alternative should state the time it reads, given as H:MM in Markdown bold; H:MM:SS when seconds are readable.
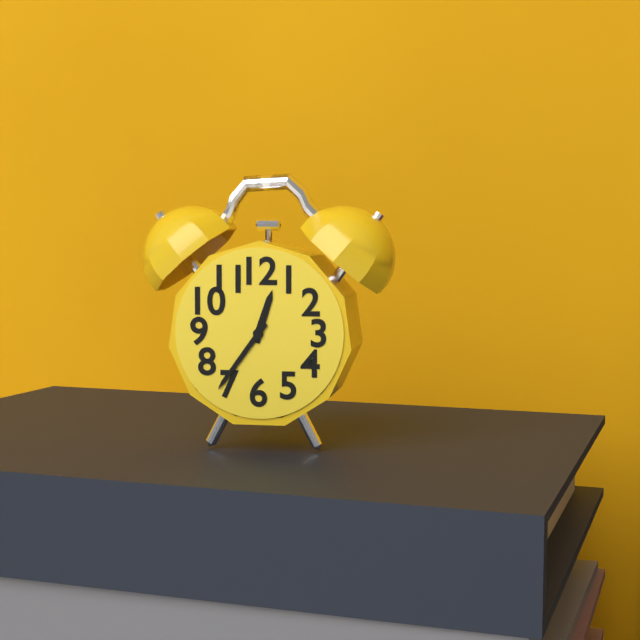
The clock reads **12:36**
